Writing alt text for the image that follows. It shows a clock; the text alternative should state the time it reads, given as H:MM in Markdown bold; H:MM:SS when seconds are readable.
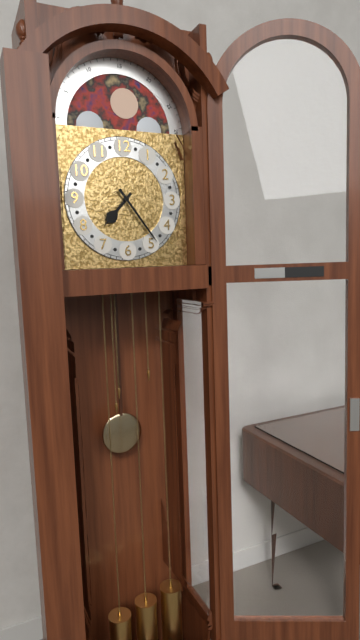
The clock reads **7:24**
